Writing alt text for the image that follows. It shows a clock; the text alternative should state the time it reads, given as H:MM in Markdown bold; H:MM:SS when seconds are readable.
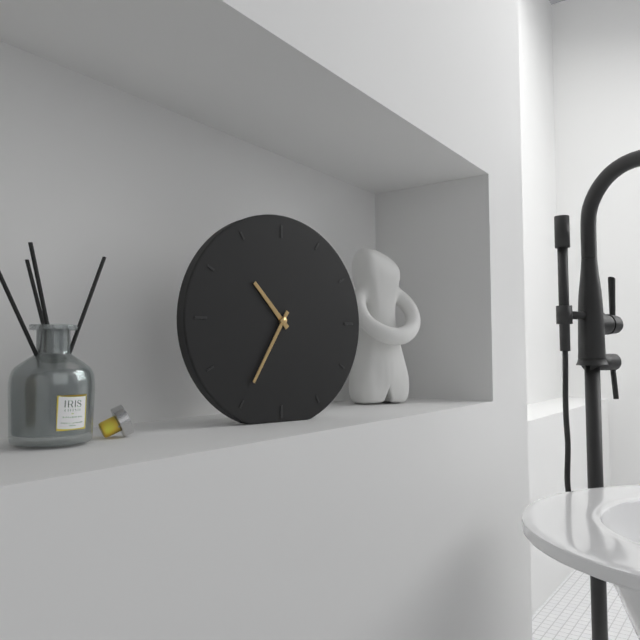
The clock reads **10:35**
